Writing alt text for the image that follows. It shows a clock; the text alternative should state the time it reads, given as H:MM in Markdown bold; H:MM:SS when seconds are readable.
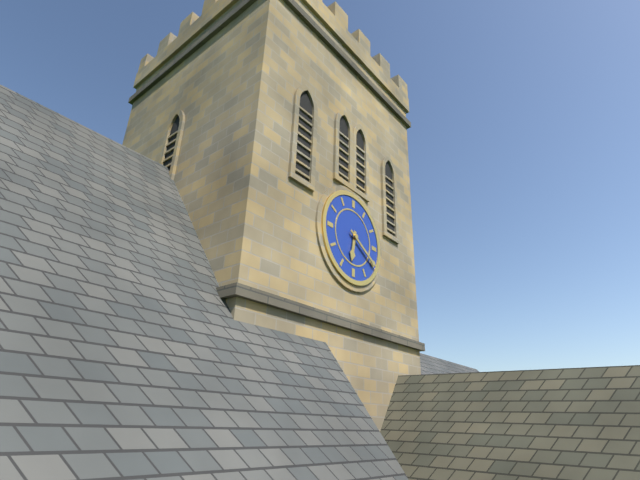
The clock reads **6:20**
